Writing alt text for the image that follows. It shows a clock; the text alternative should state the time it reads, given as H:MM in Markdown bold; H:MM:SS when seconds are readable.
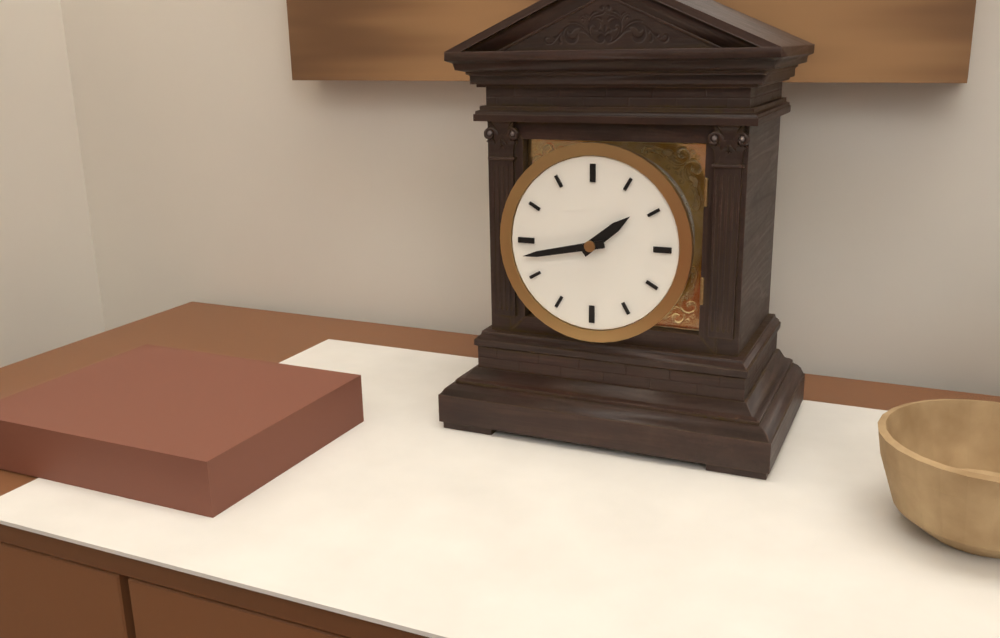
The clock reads **1:43**
